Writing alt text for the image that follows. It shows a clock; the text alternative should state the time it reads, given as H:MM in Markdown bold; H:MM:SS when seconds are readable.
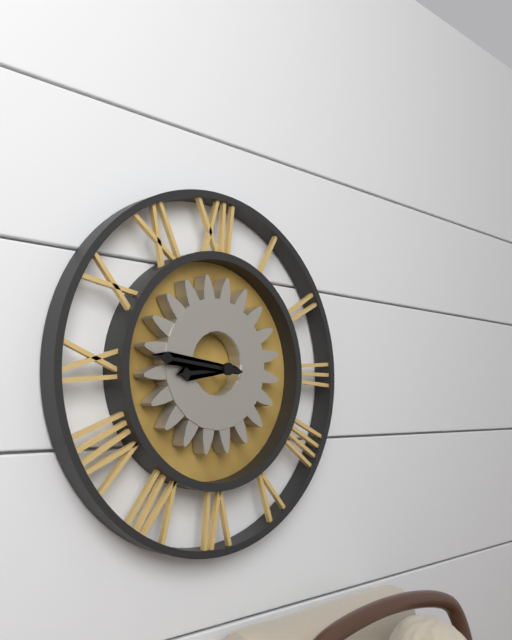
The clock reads **8:46**
